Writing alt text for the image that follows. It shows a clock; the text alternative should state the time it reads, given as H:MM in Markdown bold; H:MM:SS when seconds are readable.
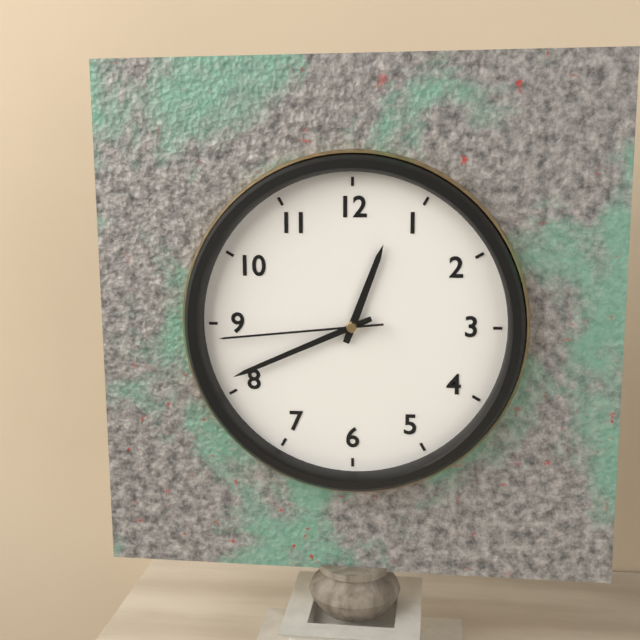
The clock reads **12:41:44**
